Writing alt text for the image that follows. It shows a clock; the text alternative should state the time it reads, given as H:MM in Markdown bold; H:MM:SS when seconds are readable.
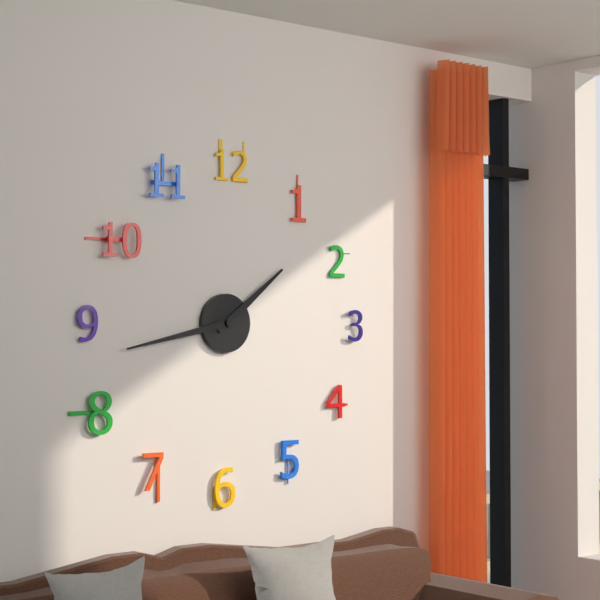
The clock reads **1:43**
